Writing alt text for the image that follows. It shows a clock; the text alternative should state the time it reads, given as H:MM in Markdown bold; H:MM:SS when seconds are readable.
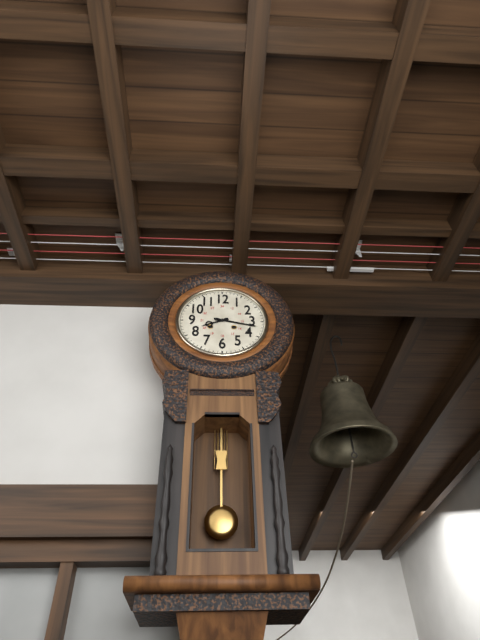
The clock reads **8:17**
